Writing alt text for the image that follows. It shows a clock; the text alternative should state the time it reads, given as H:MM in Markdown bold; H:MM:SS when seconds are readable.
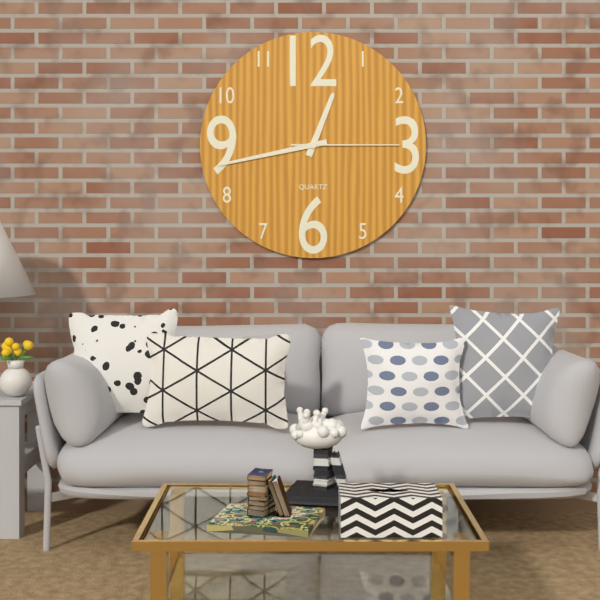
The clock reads **12:43:15**
